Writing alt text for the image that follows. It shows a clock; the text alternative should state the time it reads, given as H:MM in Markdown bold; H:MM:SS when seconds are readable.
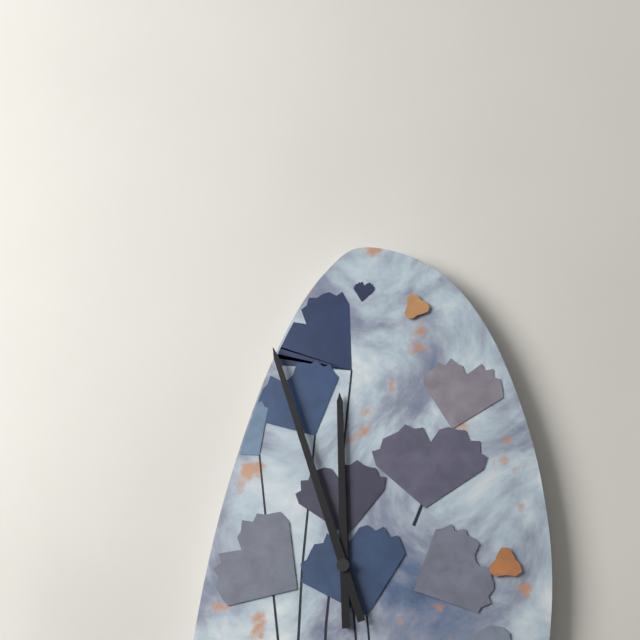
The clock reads **11:57**
